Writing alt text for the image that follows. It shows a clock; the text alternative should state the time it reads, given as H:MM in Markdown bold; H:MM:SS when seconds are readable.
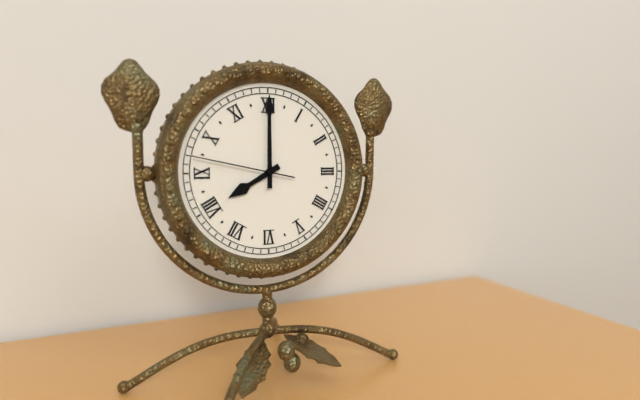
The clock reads **8:00:47**
